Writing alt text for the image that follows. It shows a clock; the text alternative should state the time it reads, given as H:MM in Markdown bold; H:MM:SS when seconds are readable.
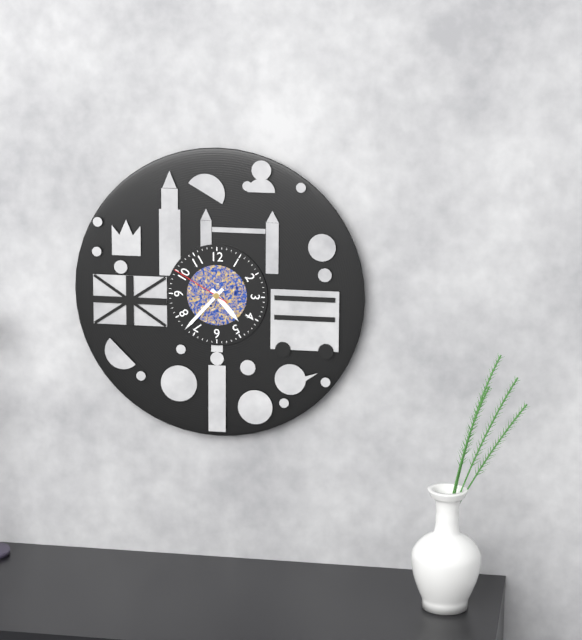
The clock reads **4:37:50**
